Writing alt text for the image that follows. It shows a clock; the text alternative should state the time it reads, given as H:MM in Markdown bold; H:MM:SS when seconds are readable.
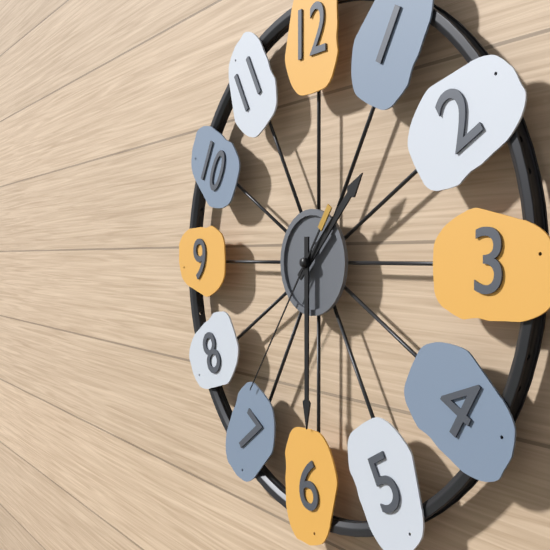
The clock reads **1:30:36**
